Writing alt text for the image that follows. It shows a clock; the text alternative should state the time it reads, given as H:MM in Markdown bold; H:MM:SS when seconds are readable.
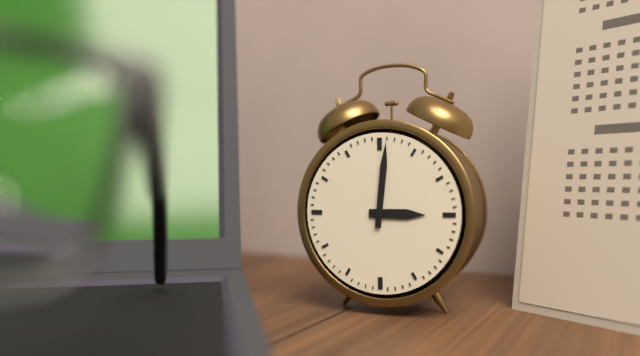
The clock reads **3:01**
